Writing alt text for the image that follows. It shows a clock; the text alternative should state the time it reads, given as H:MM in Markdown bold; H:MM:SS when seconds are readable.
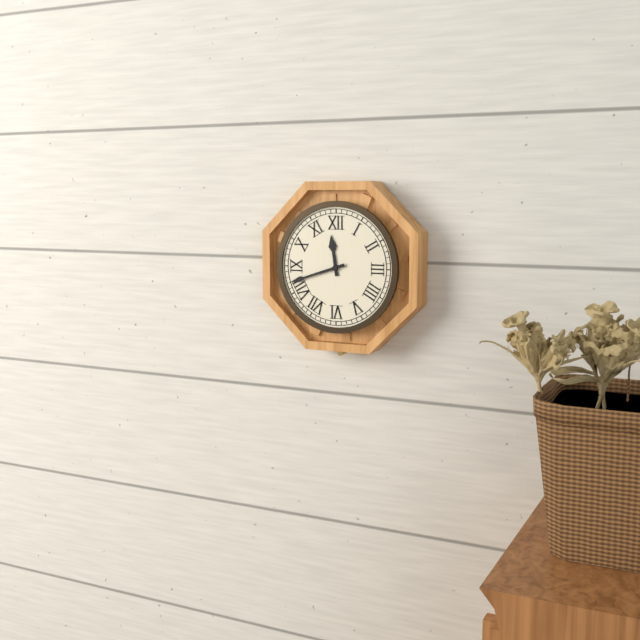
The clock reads **11:42**
